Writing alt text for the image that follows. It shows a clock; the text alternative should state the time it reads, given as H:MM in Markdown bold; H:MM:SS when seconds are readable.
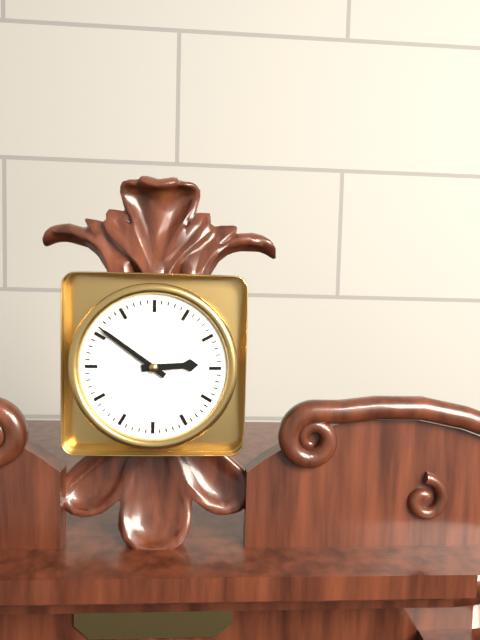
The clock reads **2:51**
